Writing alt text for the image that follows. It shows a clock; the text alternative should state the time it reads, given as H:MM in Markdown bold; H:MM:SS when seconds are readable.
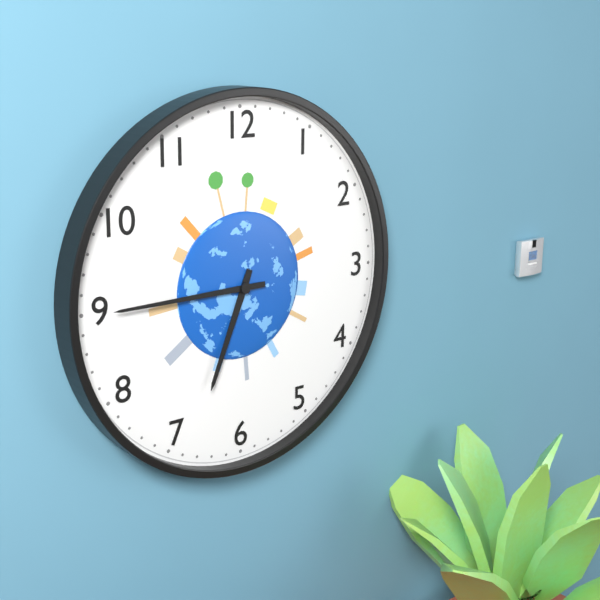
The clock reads **6:45**
